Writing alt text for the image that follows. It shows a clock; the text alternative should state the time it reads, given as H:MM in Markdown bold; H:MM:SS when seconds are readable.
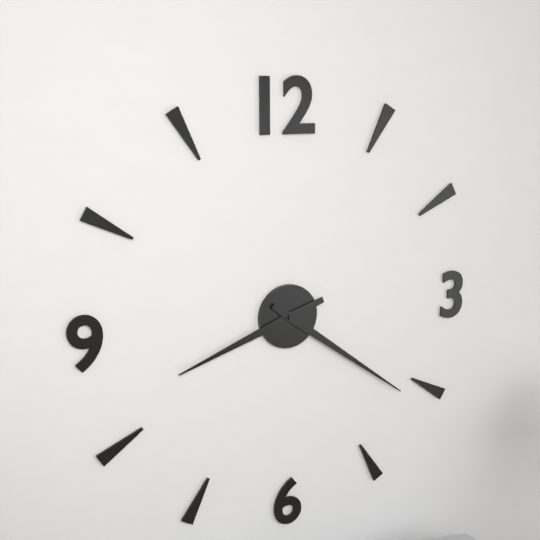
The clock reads **8:21**
